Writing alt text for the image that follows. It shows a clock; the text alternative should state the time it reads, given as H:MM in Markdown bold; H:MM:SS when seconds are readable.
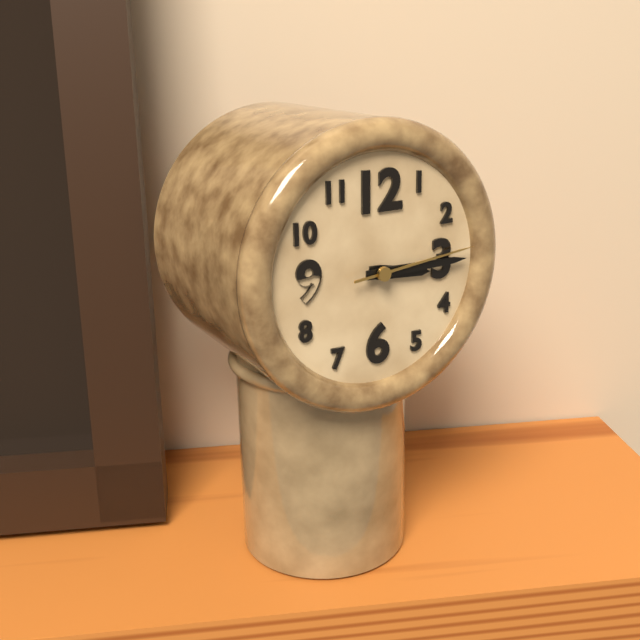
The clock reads **3:15:14**
